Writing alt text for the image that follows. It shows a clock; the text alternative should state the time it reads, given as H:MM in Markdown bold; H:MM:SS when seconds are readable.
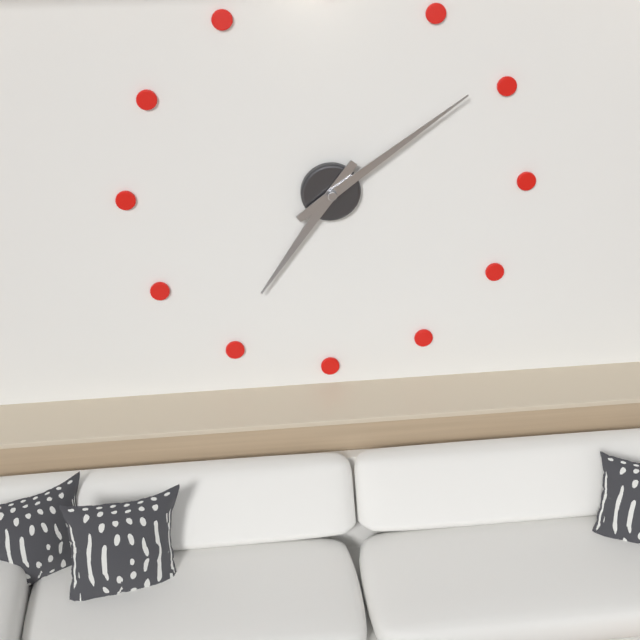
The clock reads **7:09**
